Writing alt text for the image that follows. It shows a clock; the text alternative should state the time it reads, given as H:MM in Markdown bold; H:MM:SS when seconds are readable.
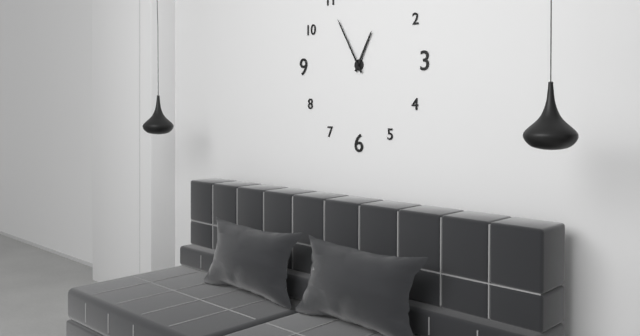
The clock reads **12:55**
